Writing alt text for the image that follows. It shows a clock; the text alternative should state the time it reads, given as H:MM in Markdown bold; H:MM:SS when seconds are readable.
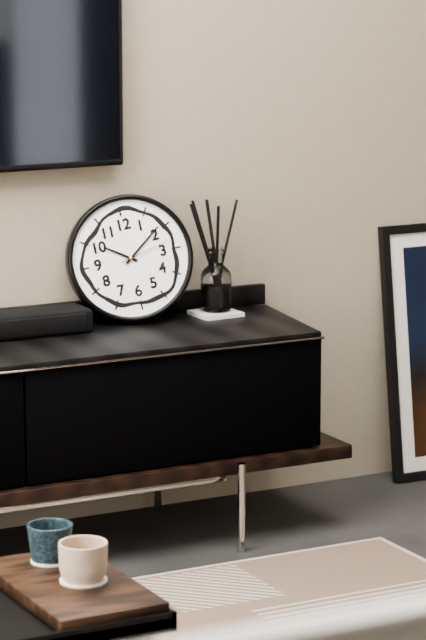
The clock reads **10:09:13**
